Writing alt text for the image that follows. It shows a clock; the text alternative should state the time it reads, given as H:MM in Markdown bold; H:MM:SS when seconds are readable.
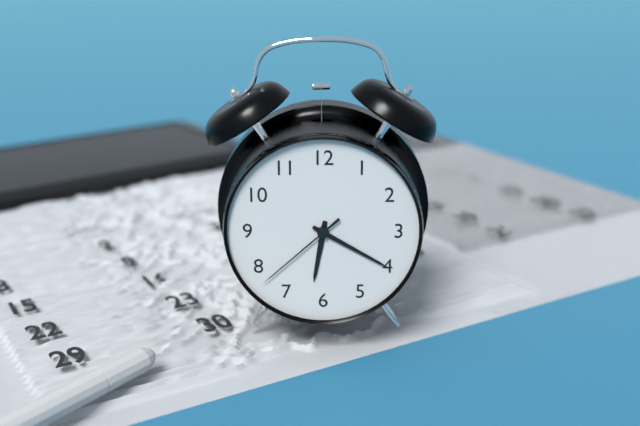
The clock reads **6:20:38**
